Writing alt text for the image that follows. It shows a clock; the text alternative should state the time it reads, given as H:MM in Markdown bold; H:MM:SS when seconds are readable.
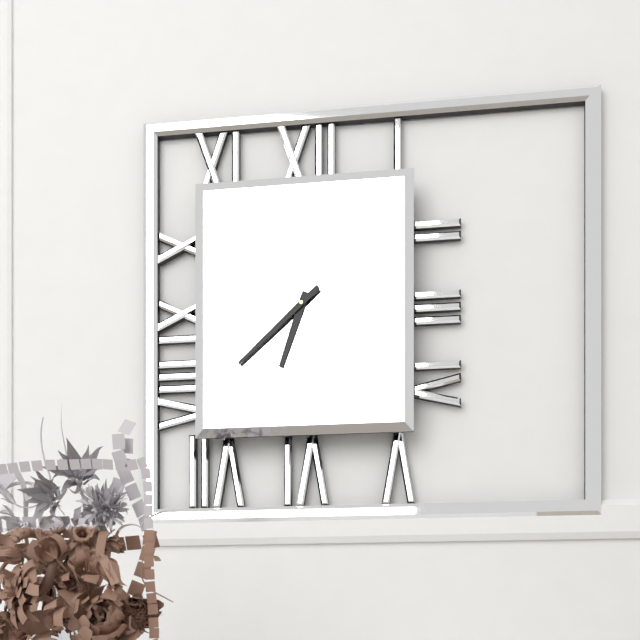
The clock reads **6:38**
